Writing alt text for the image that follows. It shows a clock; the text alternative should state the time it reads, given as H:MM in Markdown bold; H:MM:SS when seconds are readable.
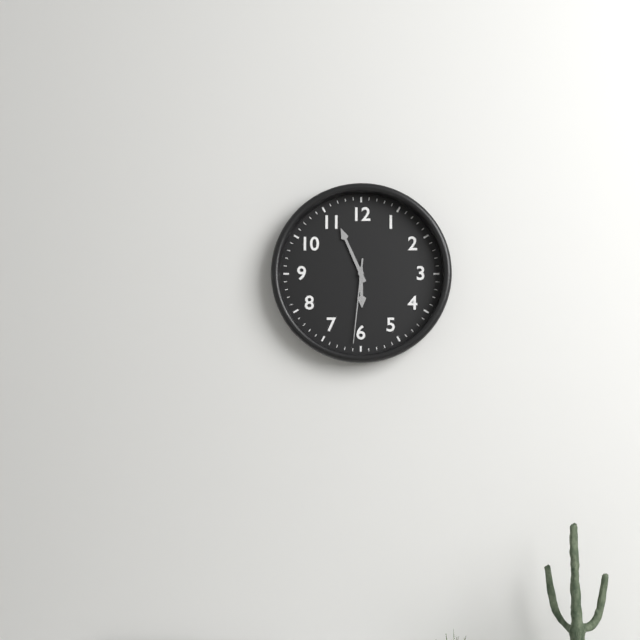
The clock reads **5:56:31**
